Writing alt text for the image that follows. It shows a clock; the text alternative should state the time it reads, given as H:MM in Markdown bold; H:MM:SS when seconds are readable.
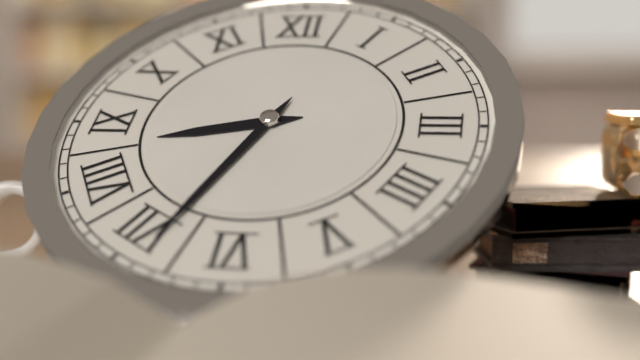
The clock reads **8:34**
